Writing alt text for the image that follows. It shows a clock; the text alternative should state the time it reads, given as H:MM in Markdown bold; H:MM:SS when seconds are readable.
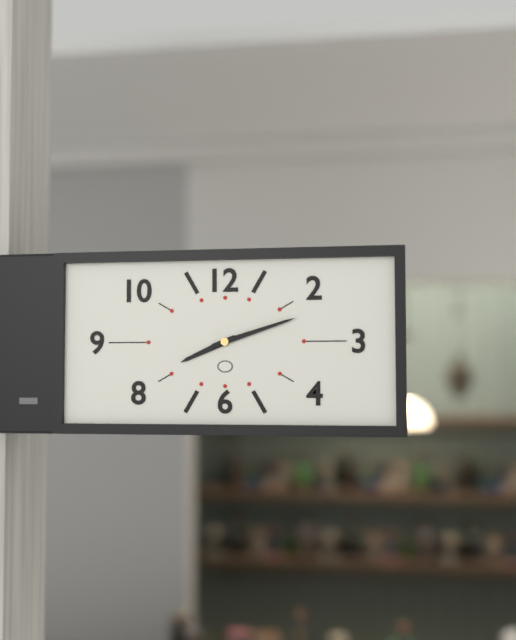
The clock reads **8:12**
